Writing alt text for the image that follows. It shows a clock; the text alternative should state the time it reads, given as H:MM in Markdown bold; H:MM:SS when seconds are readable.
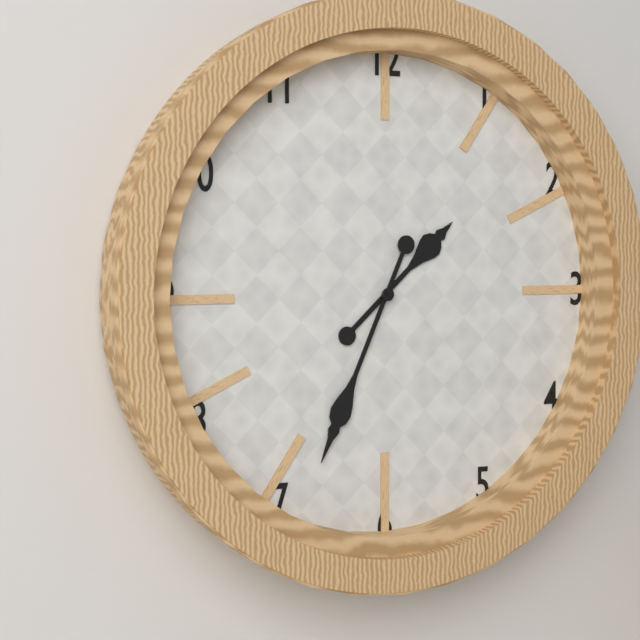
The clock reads **1:34**
